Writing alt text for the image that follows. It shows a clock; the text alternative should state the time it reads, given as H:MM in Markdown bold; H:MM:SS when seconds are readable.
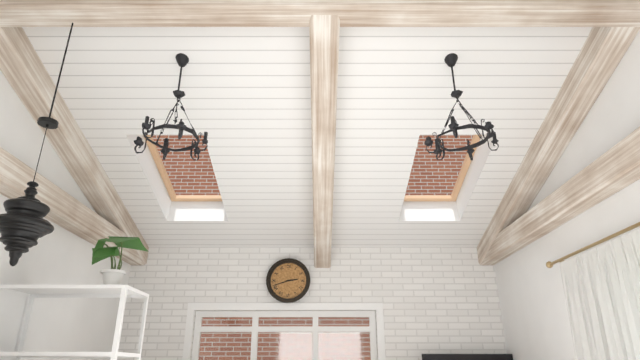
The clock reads **2:42**
